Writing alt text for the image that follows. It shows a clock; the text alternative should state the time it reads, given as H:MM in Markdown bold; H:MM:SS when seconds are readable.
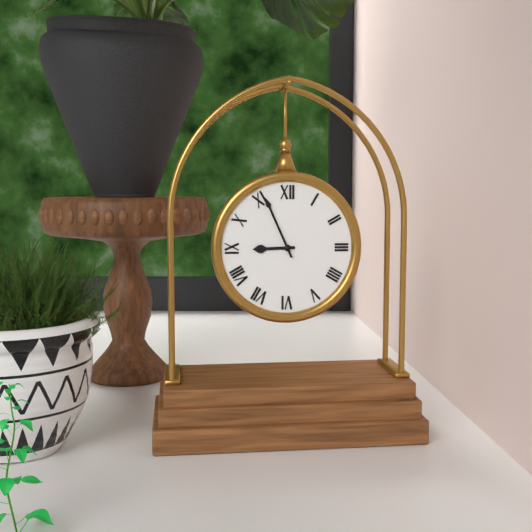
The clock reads **8:56**
